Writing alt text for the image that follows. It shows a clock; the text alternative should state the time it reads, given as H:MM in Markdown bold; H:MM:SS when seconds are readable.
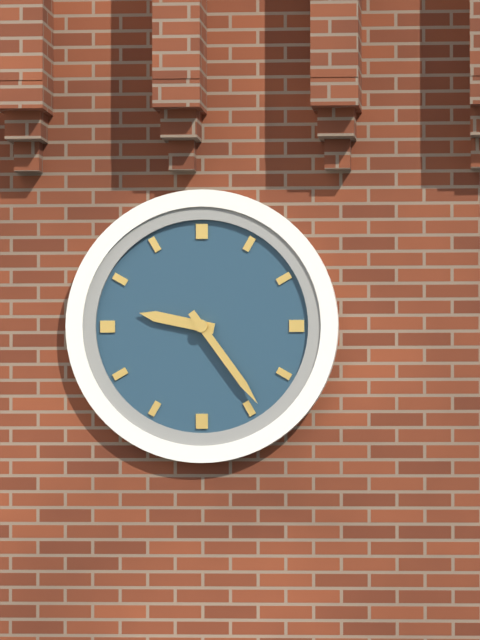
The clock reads **9:24**
